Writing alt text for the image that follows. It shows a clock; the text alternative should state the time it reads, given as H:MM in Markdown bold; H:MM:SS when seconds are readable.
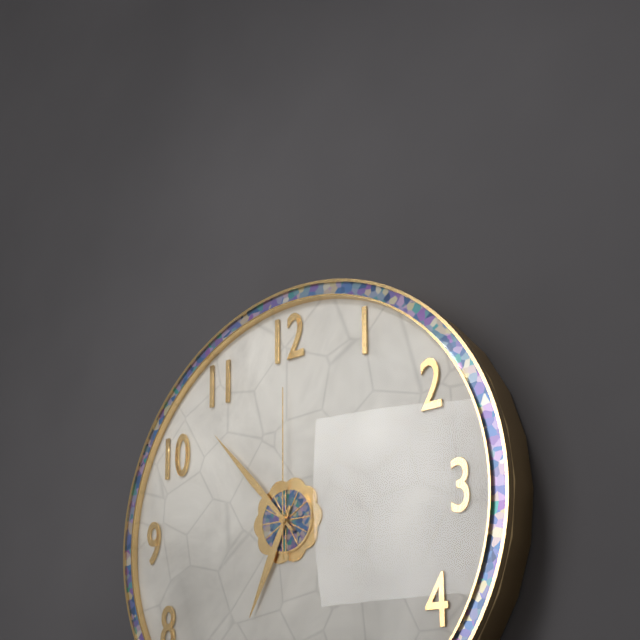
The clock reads **6:53:00**
